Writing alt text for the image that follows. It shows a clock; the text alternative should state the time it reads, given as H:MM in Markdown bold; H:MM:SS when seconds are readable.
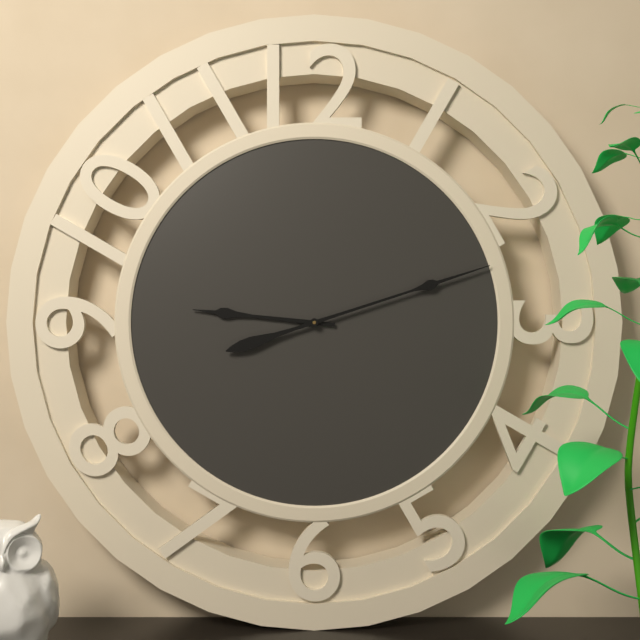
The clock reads **9:12**
